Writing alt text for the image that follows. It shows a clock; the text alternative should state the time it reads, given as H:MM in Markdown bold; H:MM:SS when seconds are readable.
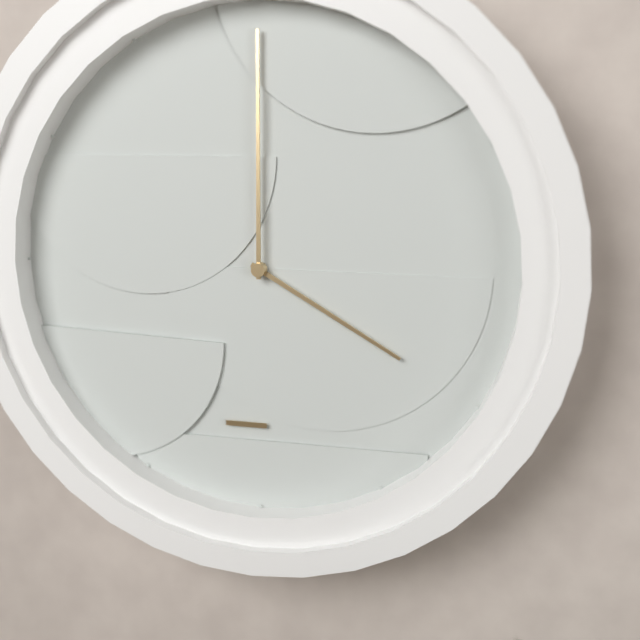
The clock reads **4:00**
